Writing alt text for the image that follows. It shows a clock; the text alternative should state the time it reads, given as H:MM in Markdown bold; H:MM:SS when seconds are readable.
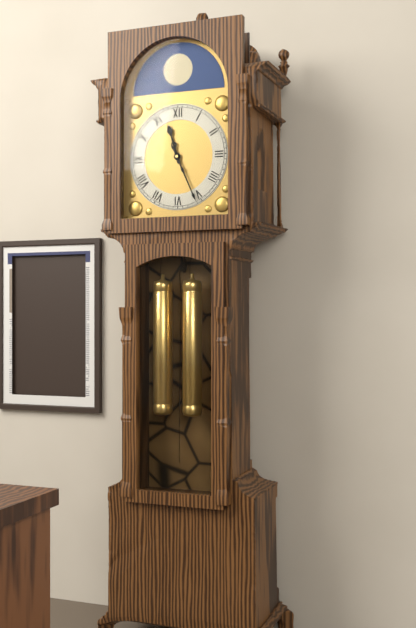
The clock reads **11:26**
